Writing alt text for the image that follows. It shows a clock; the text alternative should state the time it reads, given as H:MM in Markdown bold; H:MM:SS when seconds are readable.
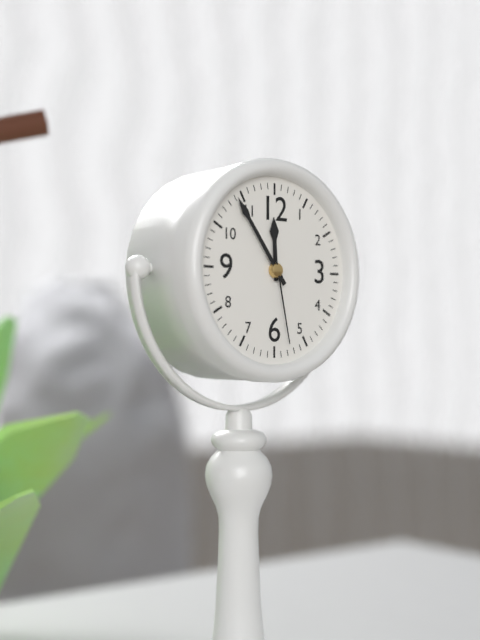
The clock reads **11:54:28**
